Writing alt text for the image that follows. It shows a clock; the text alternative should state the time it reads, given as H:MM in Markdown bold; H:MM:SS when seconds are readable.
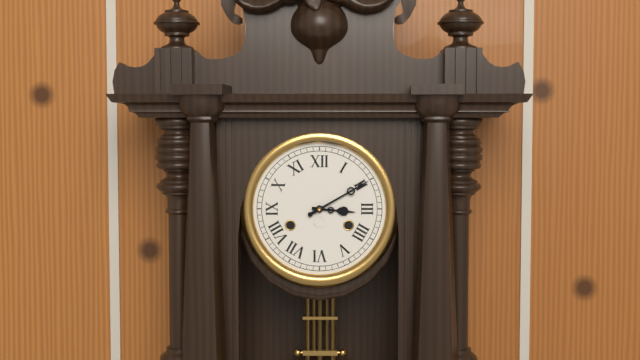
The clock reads **3:10**
